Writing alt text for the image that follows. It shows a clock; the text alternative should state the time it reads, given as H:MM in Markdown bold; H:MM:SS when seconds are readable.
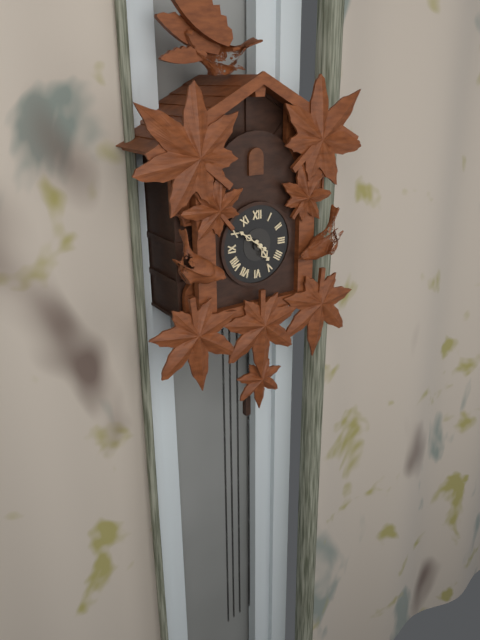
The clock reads **4:51**
